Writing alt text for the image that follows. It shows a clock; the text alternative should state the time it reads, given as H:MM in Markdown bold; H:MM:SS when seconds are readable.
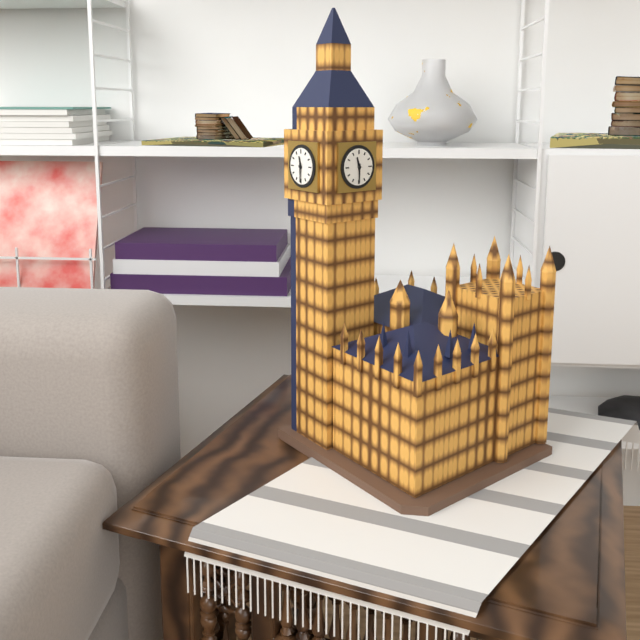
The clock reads **11:30**
